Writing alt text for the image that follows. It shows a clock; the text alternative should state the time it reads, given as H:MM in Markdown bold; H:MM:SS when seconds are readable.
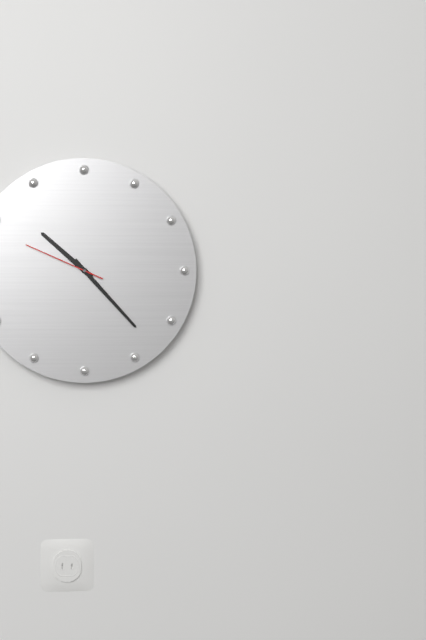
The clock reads **10:23:49**
